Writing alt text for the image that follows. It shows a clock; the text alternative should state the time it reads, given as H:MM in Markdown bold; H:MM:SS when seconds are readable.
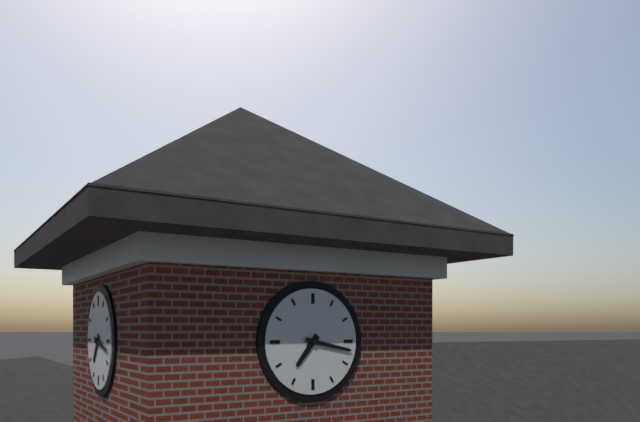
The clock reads **7:17**
